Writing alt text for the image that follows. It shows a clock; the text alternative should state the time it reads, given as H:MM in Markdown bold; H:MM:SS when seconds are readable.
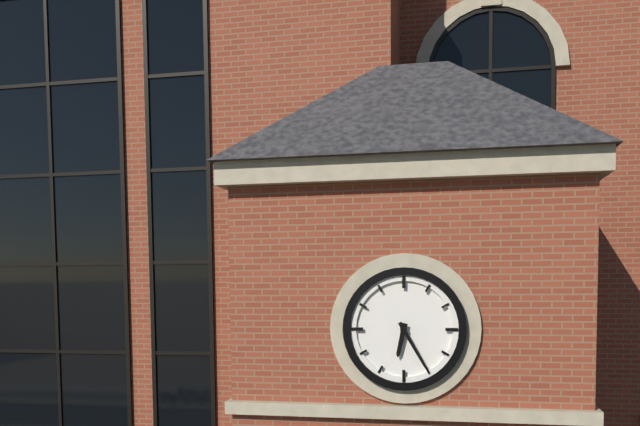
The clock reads **6:25**
